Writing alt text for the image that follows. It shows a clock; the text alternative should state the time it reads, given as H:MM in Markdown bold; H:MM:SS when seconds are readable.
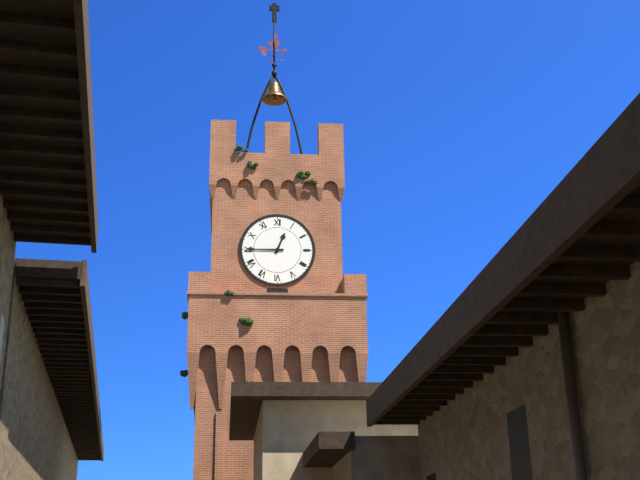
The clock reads **12:45**
